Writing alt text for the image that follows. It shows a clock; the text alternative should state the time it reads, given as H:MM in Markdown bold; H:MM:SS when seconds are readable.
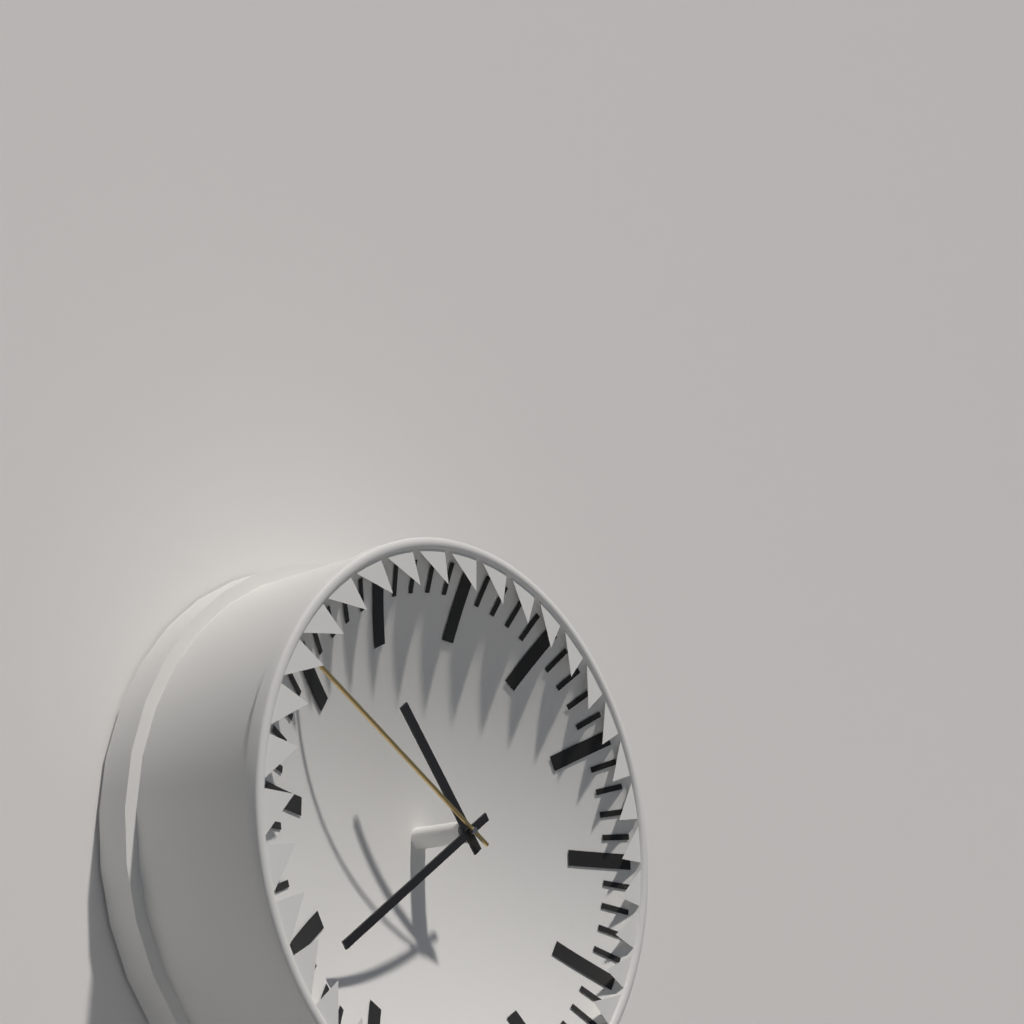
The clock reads **10:39:50**
